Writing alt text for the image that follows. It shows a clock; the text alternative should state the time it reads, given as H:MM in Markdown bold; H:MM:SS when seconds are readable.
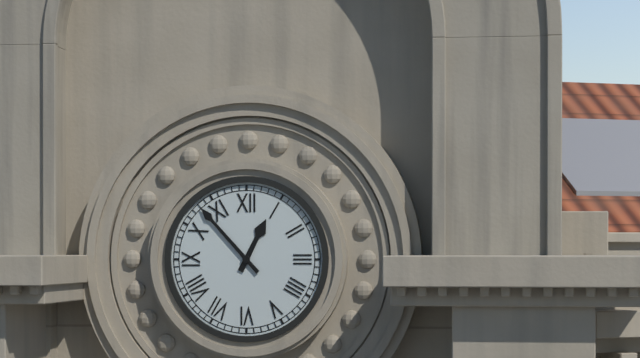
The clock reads **12:53**
